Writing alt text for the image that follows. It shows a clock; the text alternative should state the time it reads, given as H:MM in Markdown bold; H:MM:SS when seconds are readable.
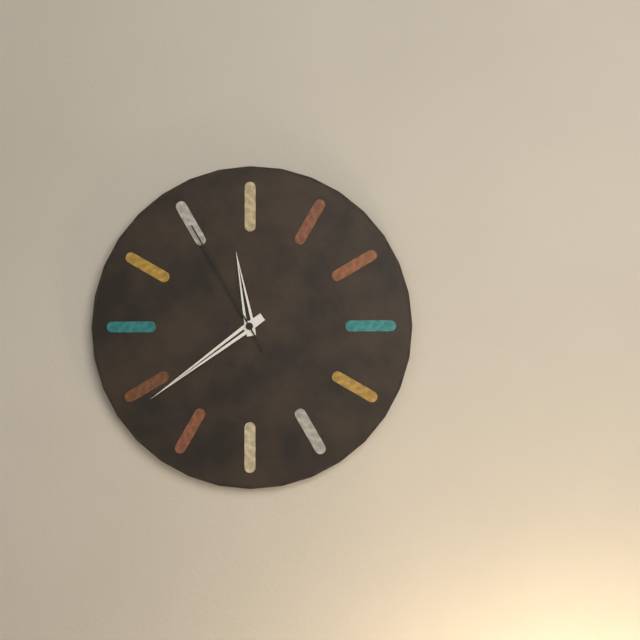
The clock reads **11:39:55**
